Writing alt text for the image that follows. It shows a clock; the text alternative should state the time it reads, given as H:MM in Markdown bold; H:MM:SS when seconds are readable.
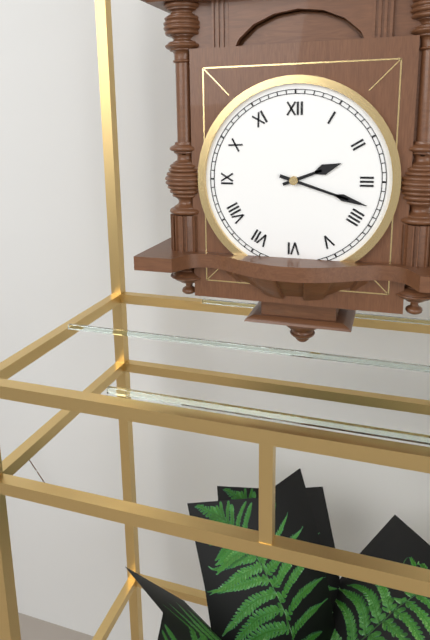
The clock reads **2:18**
